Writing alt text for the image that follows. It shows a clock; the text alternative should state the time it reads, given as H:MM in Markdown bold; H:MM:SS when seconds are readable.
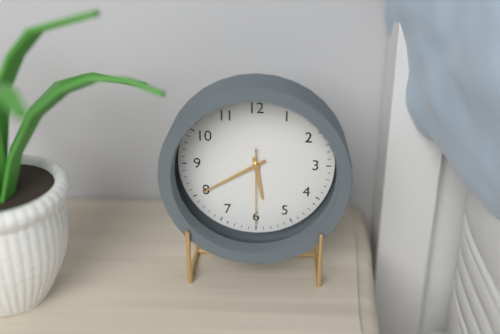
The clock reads **5:40:30**
